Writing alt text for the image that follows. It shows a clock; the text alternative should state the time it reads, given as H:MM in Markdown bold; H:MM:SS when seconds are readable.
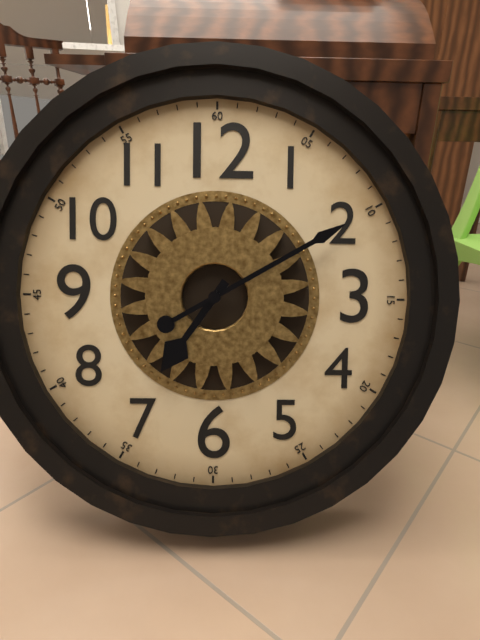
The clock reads **7:10**
